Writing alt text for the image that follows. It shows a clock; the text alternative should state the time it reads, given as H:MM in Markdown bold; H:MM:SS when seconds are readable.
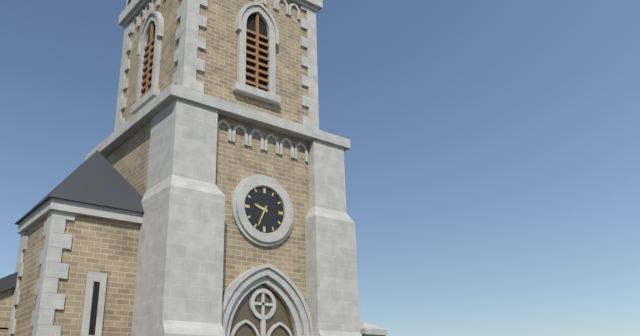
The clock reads **9:34**
